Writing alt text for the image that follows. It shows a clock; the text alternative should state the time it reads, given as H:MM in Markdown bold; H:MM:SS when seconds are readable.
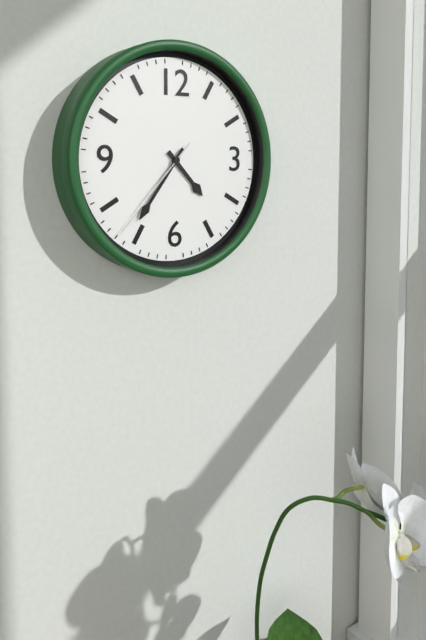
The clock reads **4:36:37**
